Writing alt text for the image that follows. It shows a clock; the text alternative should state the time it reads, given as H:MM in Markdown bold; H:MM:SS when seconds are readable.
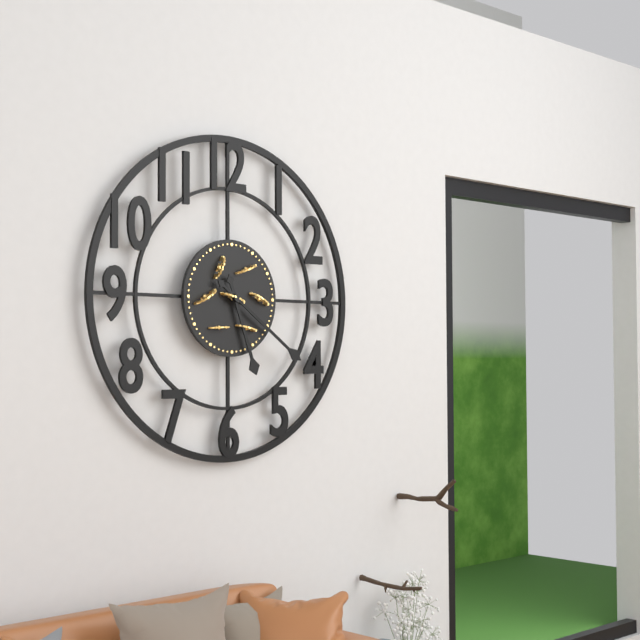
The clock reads **5:21**
